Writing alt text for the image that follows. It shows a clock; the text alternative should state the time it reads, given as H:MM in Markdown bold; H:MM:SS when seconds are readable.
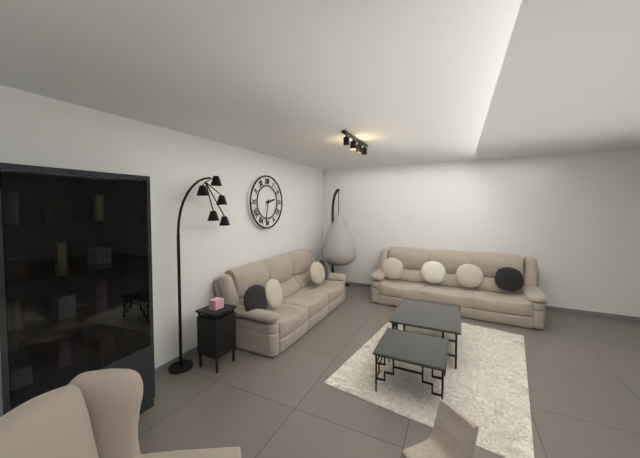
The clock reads **2:32**
